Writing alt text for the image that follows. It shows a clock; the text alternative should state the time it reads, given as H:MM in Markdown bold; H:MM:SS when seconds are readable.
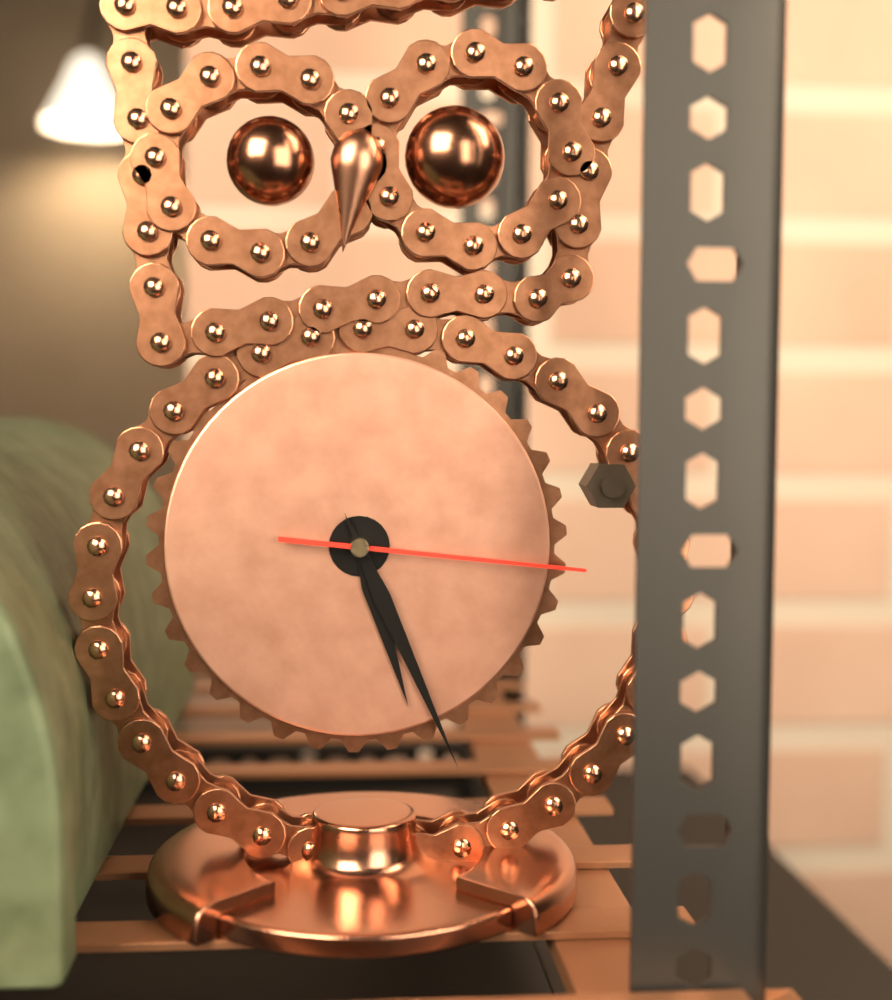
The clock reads **5:26:16**
